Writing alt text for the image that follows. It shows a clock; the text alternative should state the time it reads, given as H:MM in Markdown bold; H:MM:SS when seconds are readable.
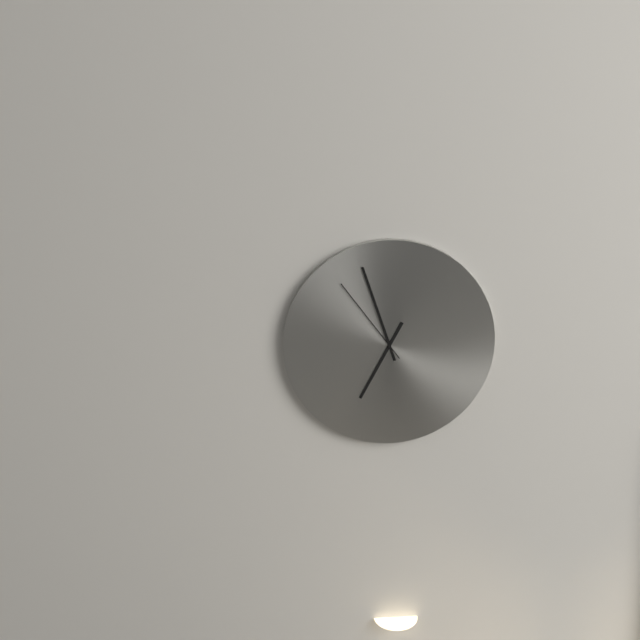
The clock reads **6:57:54**
